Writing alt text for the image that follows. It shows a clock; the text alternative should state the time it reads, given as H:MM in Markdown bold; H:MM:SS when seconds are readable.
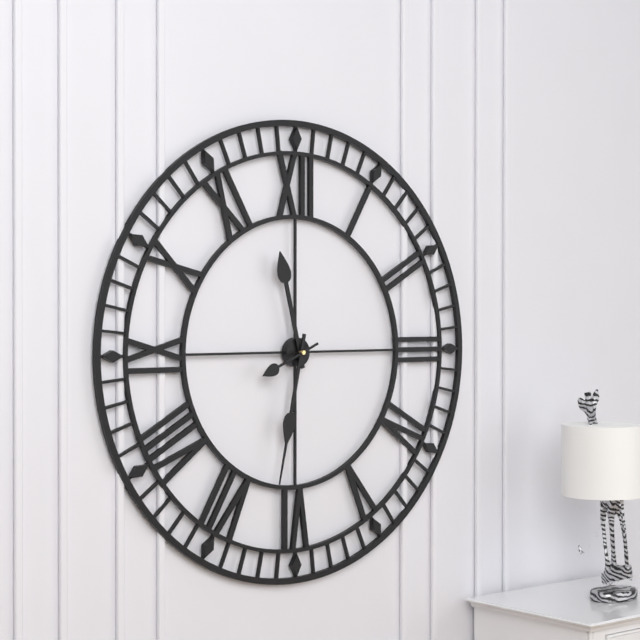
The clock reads **11:32**
